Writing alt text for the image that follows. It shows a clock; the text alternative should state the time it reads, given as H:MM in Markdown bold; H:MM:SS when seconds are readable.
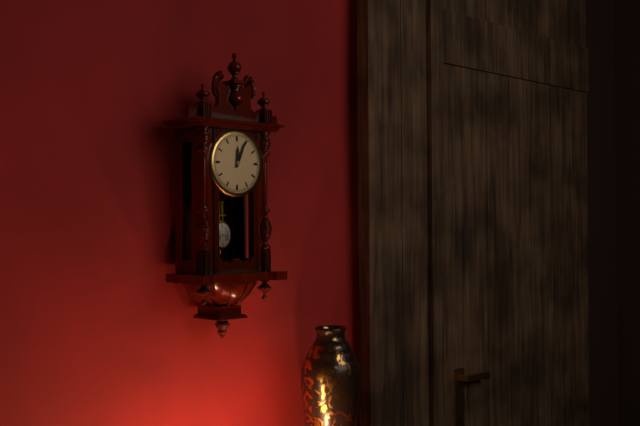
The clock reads **12:04**
